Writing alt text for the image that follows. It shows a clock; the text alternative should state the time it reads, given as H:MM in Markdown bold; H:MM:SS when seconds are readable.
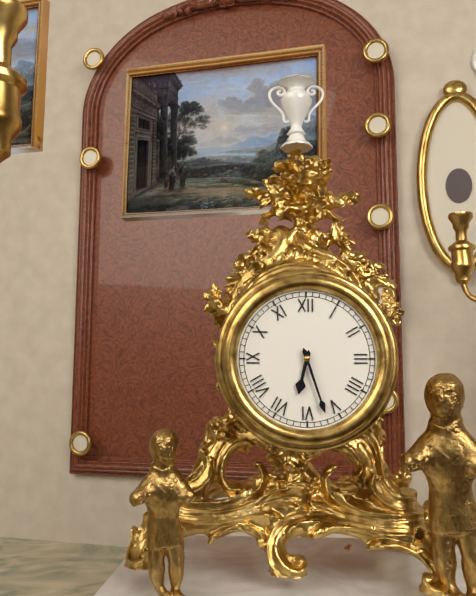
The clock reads **6:27**
